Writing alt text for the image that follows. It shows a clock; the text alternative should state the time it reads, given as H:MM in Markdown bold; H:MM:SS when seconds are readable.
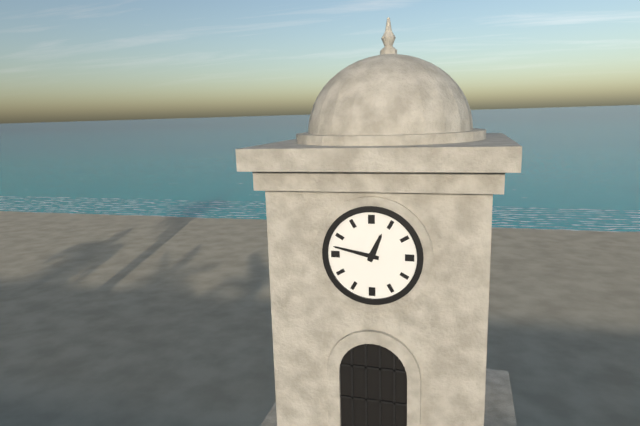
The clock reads **12:47**
